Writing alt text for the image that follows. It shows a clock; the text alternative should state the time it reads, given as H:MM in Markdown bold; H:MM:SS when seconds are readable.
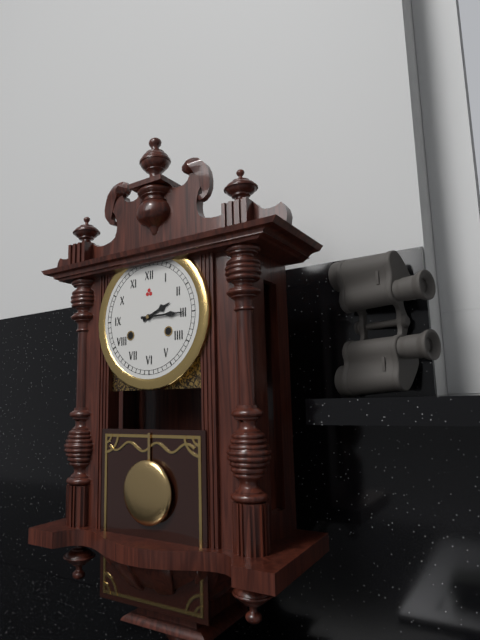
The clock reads **2:15**
